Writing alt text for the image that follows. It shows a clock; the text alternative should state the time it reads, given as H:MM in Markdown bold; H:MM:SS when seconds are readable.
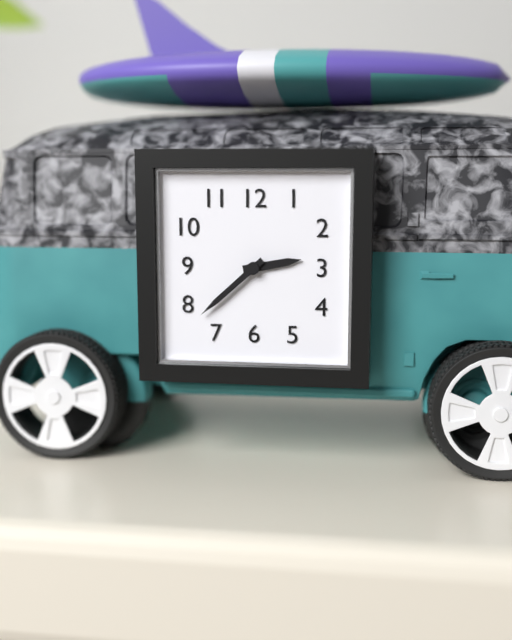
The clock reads **2:38**
